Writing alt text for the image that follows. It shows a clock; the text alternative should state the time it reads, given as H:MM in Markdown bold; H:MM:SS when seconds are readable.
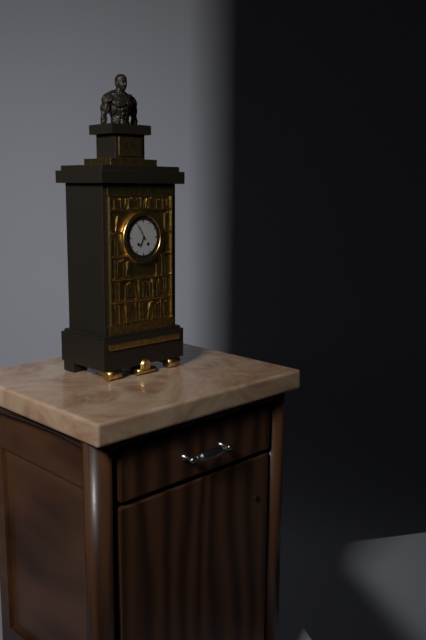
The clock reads **6:55**
